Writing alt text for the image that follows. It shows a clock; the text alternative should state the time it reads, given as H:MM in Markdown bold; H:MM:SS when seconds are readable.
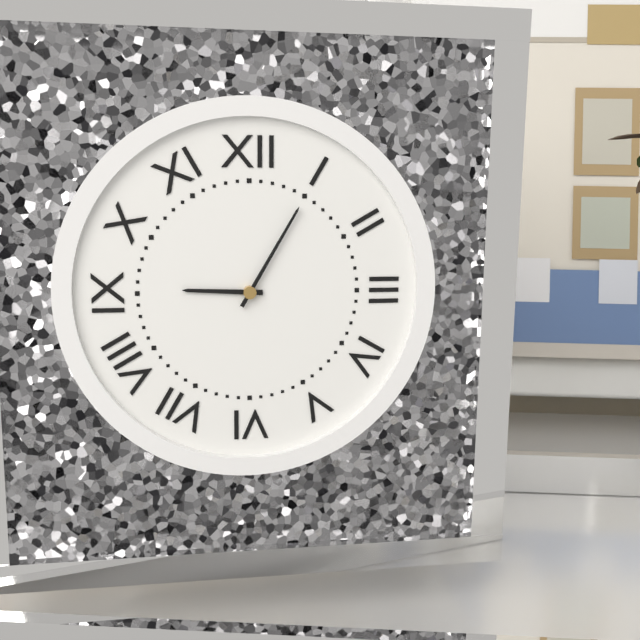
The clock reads **9:05**
